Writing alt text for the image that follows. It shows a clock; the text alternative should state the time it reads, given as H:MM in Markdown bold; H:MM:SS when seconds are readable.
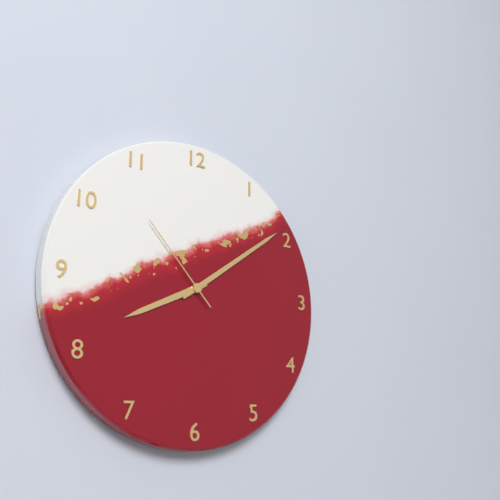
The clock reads **8:09:53**
